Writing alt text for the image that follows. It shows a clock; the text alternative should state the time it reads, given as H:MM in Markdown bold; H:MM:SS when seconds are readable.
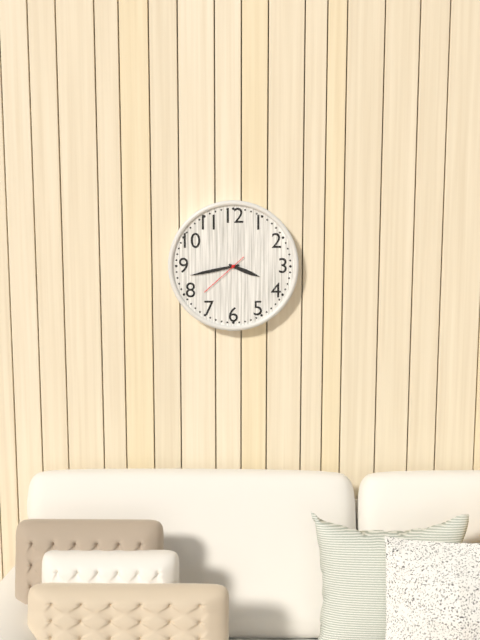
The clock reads **3:43**
